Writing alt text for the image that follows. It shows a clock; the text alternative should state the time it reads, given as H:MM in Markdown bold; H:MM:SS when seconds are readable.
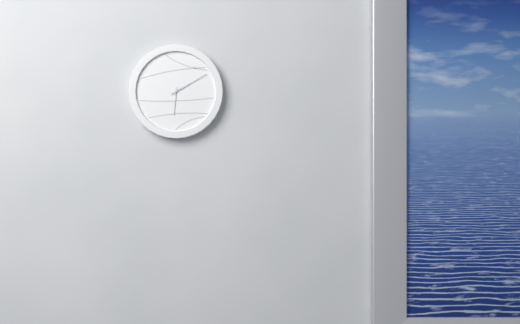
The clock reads **6:10**
